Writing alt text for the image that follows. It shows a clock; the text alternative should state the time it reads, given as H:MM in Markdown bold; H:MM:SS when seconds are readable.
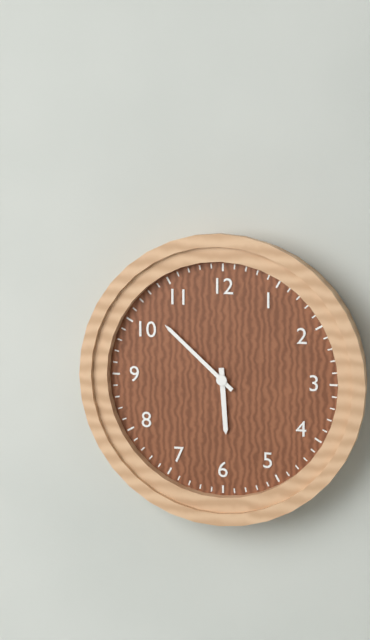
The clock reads **5:52**
